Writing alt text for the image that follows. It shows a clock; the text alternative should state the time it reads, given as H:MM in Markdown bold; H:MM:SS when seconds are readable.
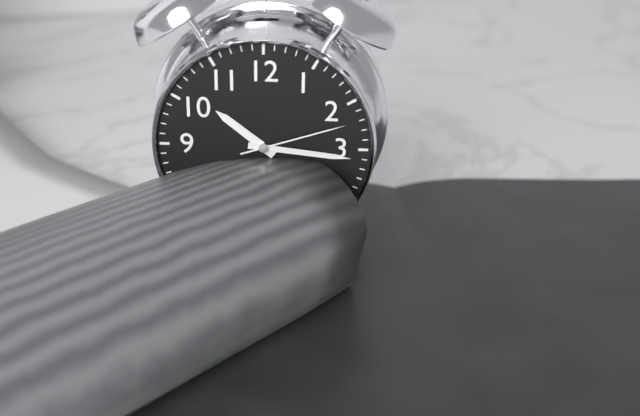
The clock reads **10:16:12**
